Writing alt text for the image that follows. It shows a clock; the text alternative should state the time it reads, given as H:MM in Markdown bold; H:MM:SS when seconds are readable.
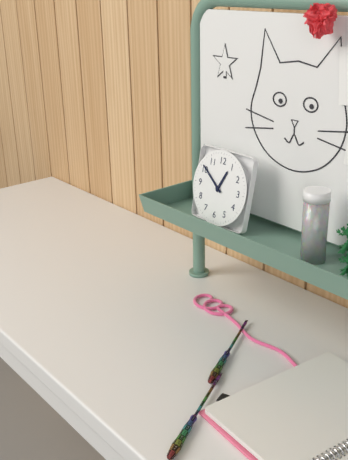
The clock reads **12:51**
